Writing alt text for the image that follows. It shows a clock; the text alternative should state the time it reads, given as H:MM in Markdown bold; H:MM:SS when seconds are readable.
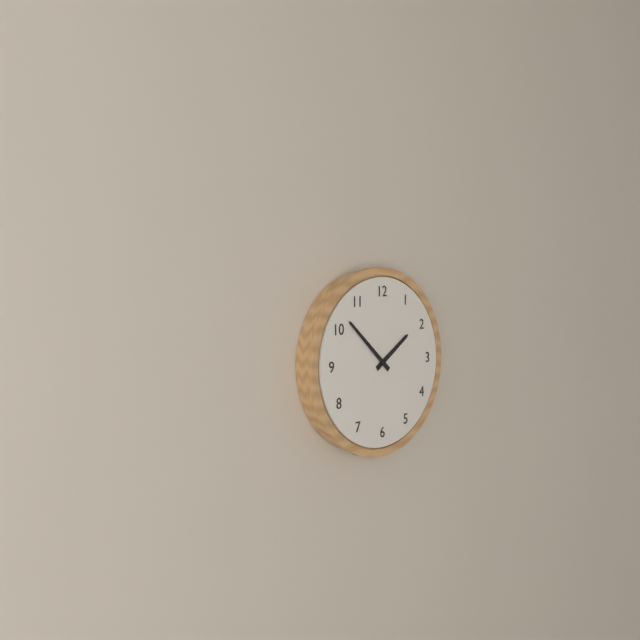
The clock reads **1:52**
